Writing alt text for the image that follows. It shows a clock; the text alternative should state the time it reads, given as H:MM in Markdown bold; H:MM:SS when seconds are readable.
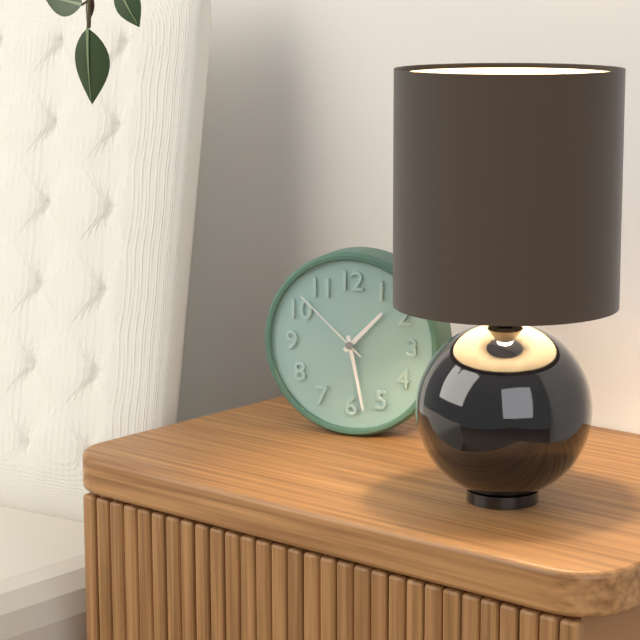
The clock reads **1:28:52**
